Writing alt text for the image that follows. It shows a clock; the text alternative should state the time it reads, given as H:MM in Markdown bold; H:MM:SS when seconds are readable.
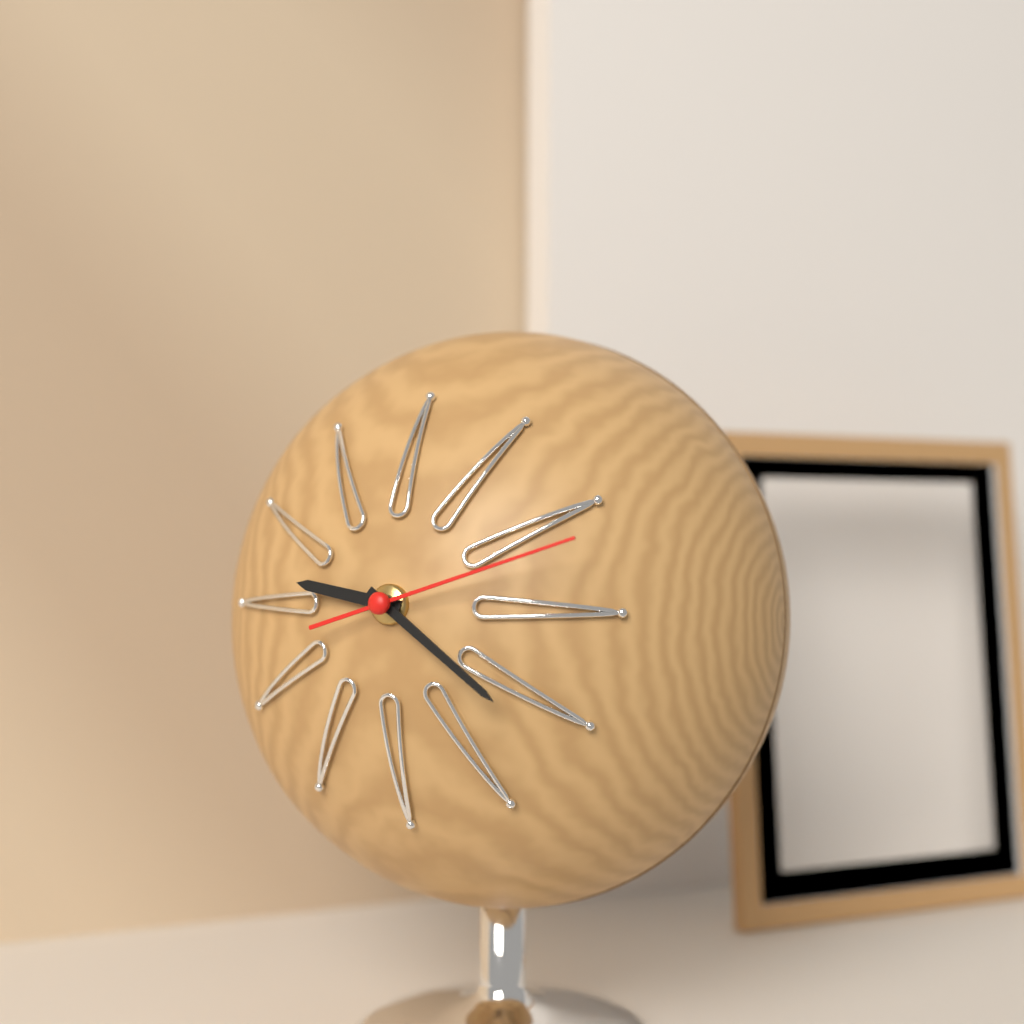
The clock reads **9:21:12**
